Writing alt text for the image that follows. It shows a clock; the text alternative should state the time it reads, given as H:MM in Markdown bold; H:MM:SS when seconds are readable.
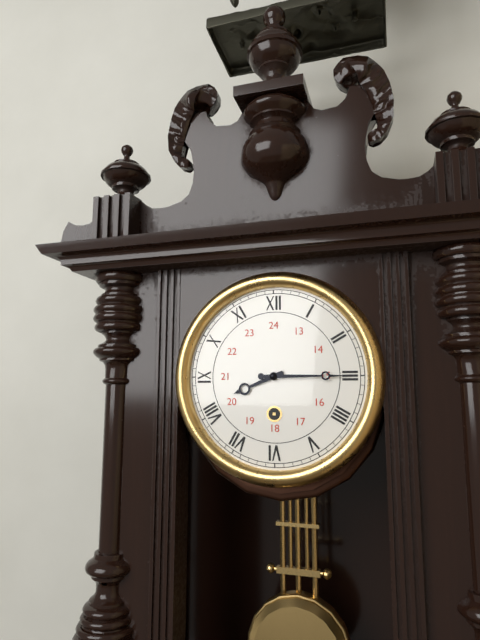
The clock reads **8:15**
